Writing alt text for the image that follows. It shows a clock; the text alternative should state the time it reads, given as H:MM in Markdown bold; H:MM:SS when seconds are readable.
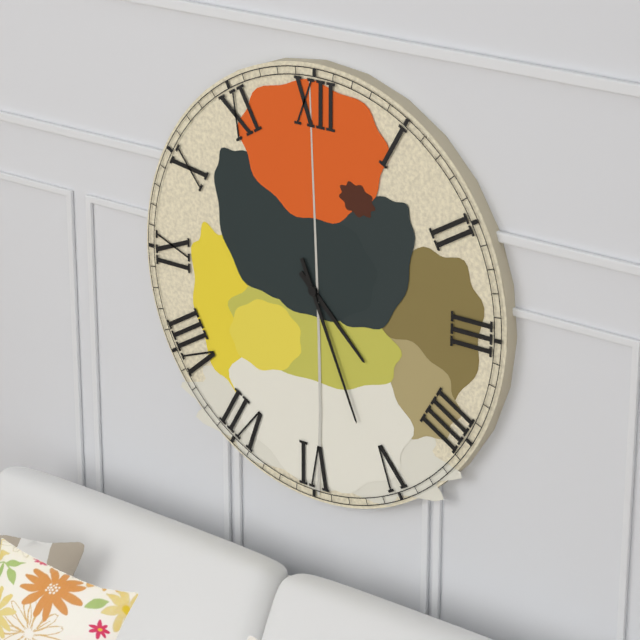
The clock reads **4:26**
